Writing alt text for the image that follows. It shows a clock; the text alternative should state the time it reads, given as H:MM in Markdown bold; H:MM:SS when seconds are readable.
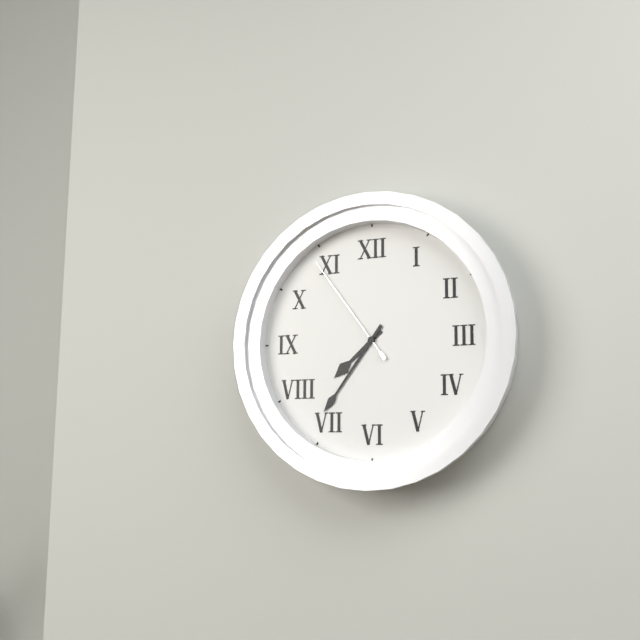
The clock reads **7:36:54**
